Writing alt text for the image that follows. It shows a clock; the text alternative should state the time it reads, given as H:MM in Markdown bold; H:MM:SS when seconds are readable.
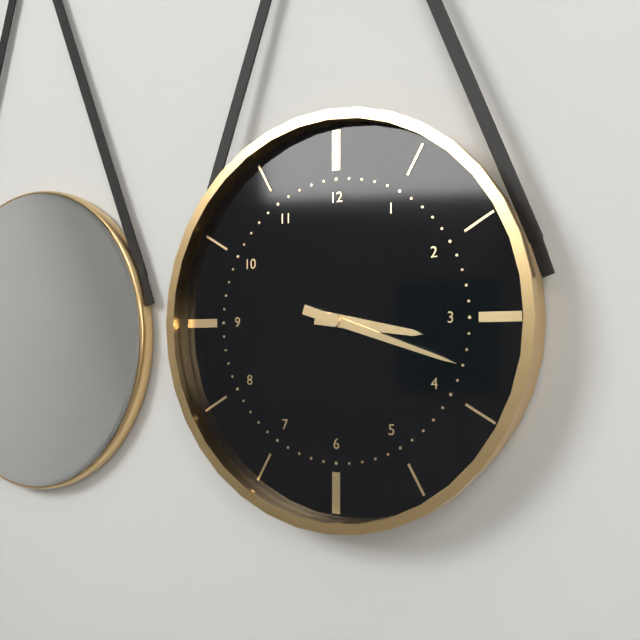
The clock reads **3:18**
